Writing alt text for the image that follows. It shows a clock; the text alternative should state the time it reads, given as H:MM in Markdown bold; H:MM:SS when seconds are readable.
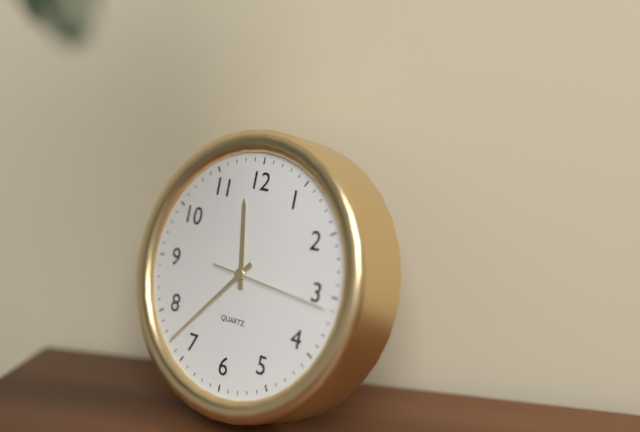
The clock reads **11:37:16**
